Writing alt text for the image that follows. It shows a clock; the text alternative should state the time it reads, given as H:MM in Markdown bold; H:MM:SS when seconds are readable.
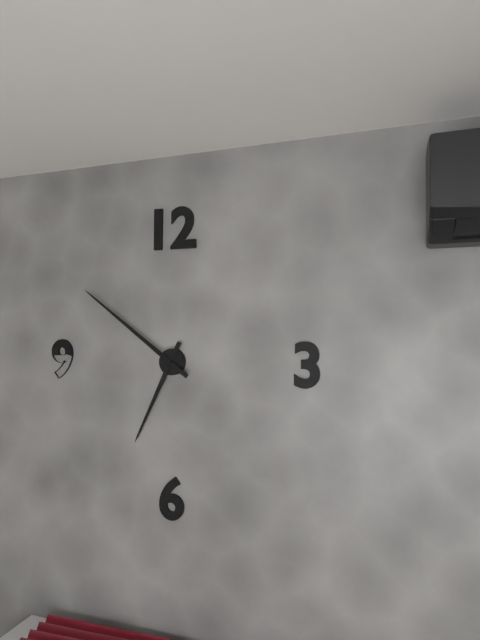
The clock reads **6:51**
